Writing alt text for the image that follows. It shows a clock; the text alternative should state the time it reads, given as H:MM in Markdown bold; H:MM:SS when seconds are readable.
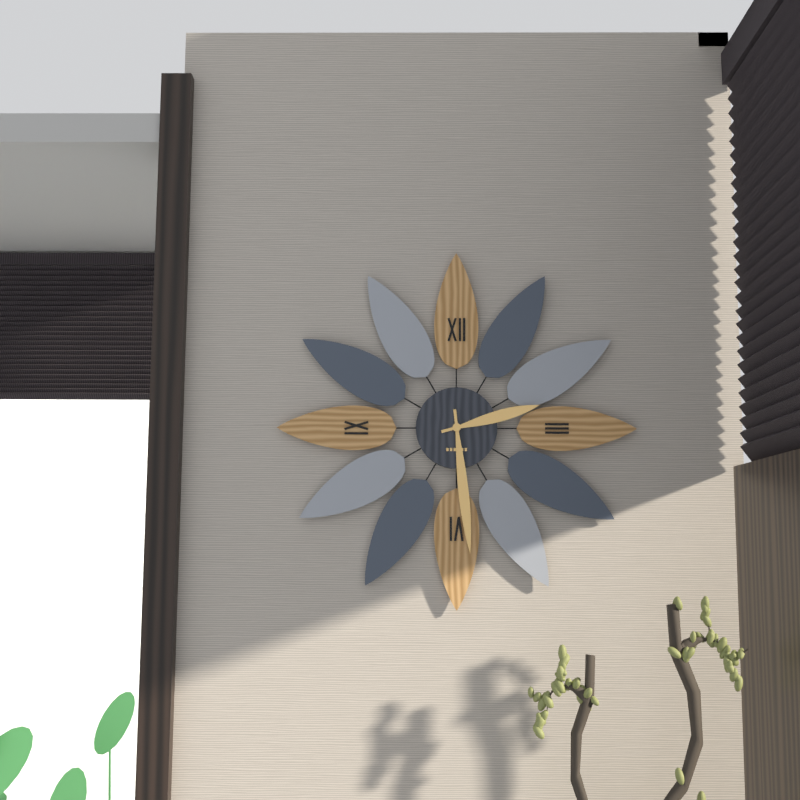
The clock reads **2:29**
